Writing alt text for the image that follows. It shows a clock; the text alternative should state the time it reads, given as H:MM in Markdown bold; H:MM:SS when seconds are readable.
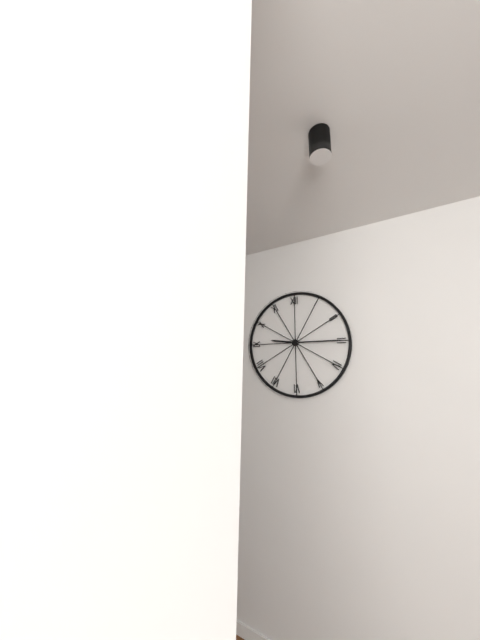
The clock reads **9:15**
